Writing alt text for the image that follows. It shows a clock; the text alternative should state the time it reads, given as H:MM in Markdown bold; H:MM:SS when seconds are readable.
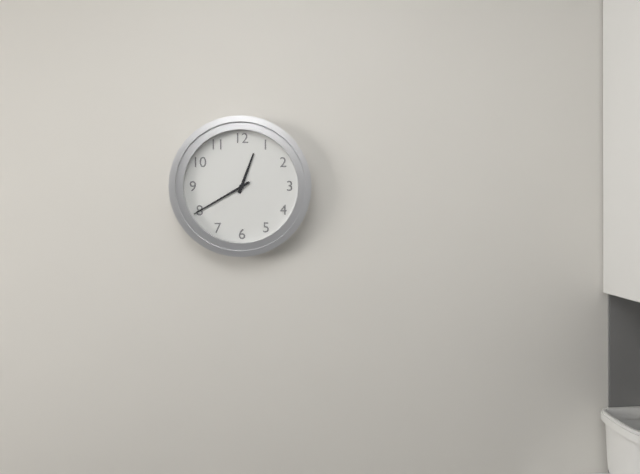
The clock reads **12:40**
